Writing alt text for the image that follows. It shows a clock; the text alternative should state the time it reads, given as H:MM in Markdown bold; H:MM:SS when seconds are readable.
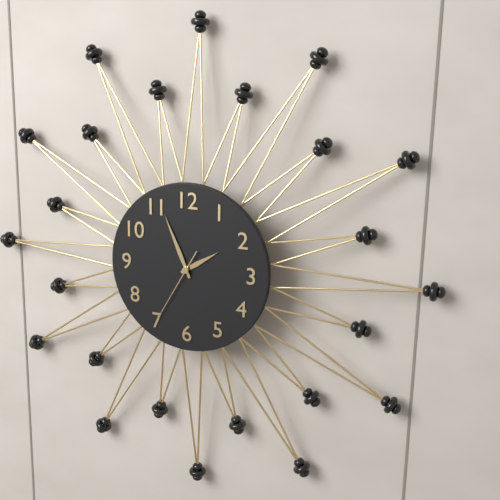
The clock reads **1:56:35**
